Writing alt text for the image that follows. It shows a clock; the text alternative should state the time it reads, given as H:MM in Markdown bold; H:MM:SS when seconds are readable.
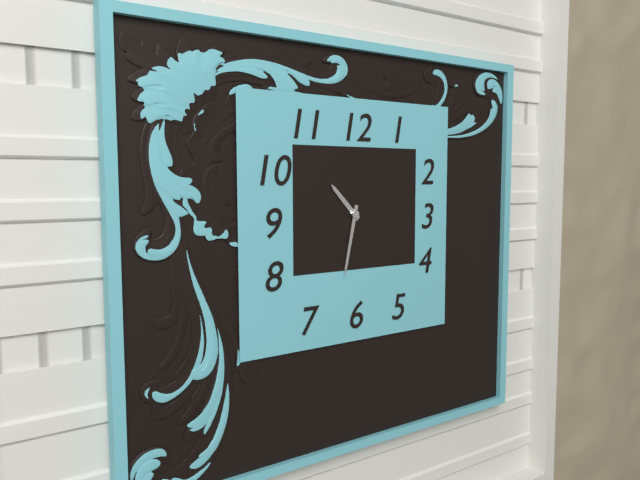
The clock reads **10:32**
